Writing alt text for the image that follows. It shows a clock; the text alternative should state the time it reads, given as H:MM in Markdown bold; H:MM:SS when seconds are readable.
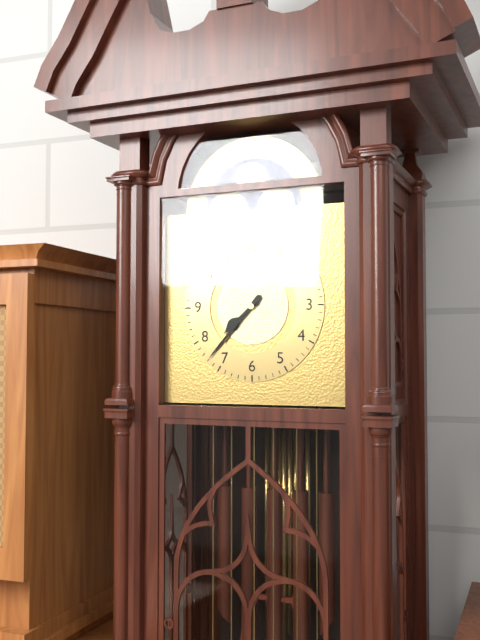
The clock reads **7:37**
